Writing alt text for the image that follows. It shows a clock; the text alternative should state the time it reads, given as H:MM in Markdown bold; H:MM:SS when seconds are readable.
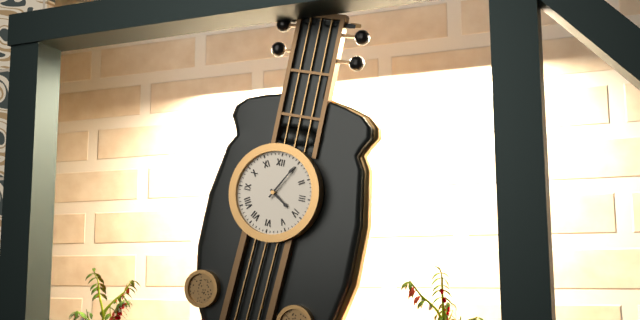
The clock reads **4:05**
